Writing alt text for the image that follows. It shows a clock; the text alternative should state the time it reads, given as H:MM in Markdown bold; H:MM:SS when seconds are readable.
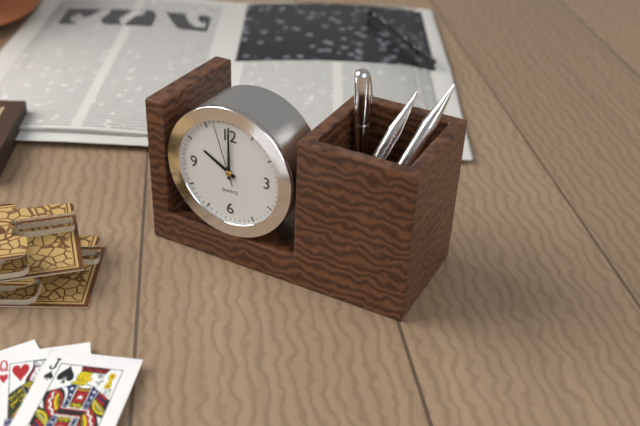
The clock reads **10:00:57**
